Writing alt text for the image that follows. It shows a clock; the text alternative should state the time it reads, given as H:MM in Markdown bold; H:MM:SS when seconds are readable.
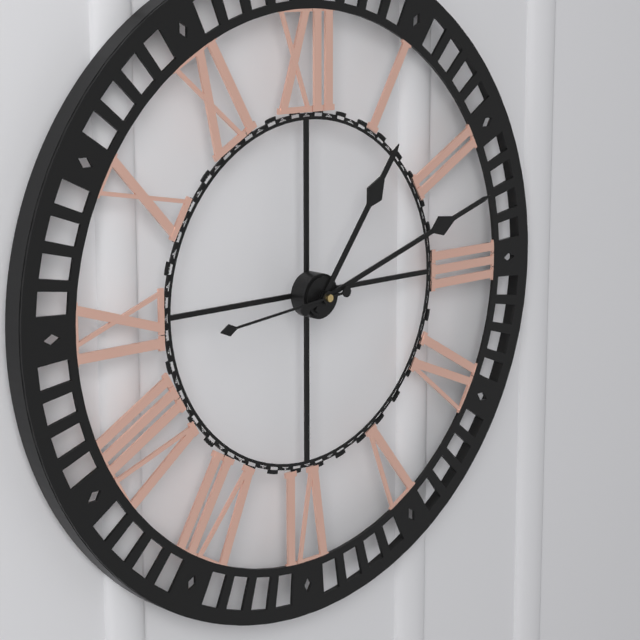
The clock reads **1:12:44**
